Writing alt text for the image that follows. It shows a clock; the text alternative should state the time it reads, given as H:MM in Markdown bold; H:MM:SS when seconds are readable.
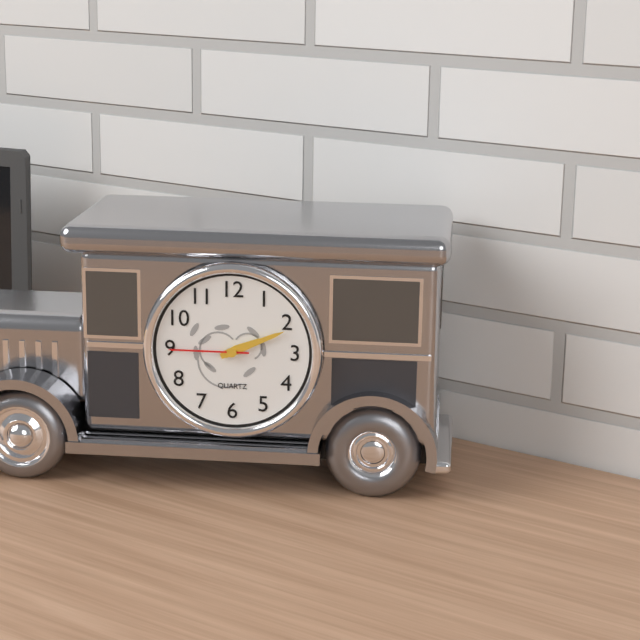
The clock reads **2:11:45**
